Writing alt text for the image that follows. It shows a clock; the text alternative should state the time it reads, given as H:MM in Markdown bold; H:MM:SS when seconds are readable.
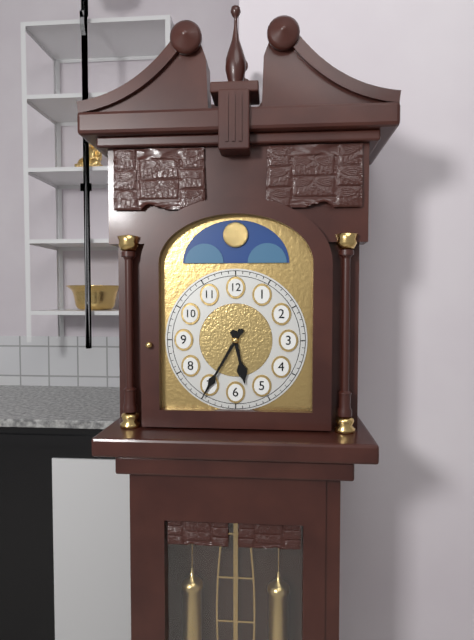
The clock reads **5:35**
